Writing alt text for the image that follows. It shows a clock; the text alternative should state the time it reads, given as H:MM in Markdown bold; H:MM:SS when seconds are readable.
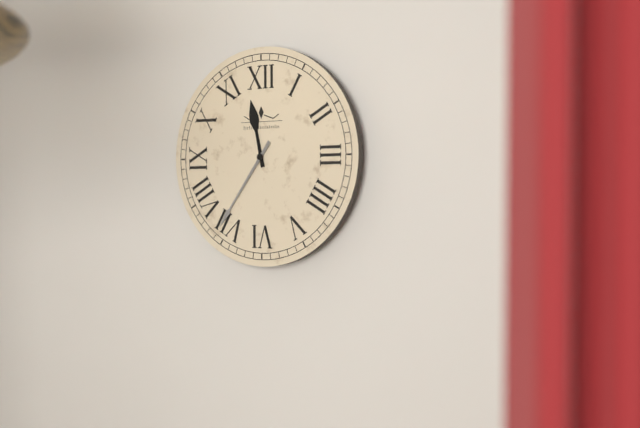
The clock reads **11:36**
